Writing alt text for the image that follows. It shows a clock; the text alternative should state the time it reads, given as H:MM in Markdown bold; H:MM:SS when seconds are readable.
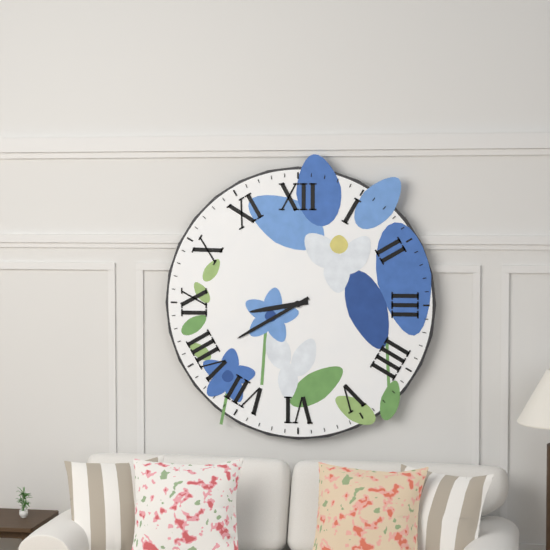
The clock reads **8:40**
